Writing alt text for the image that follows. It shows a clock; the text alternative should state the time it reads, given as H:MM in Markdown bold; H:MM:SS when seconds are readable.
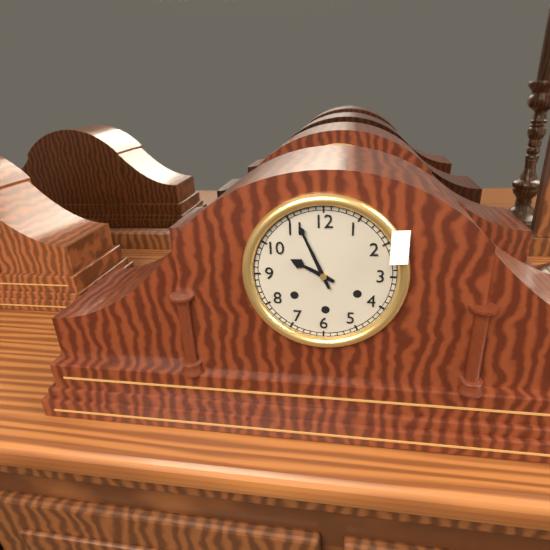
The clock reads **9:56**
